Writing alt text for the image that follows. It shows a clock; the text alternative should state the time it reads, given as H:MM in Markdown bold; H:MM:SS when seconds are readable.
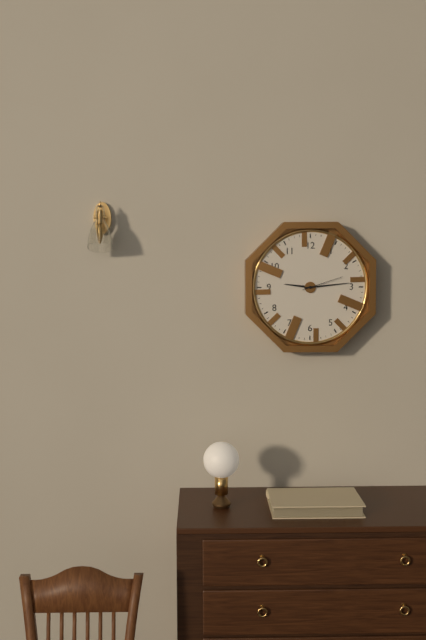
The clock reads **9:14**
